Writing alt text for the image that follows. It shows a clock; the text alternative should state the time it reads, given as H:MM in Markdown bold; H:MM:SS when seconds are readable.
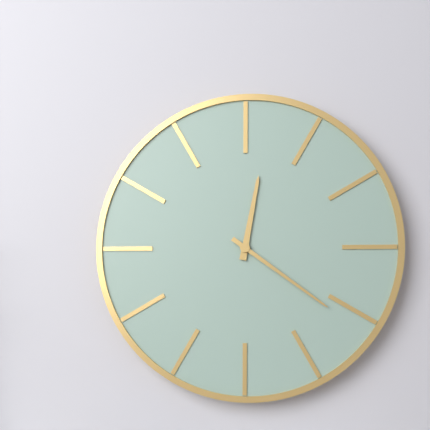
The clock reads **12:21**
